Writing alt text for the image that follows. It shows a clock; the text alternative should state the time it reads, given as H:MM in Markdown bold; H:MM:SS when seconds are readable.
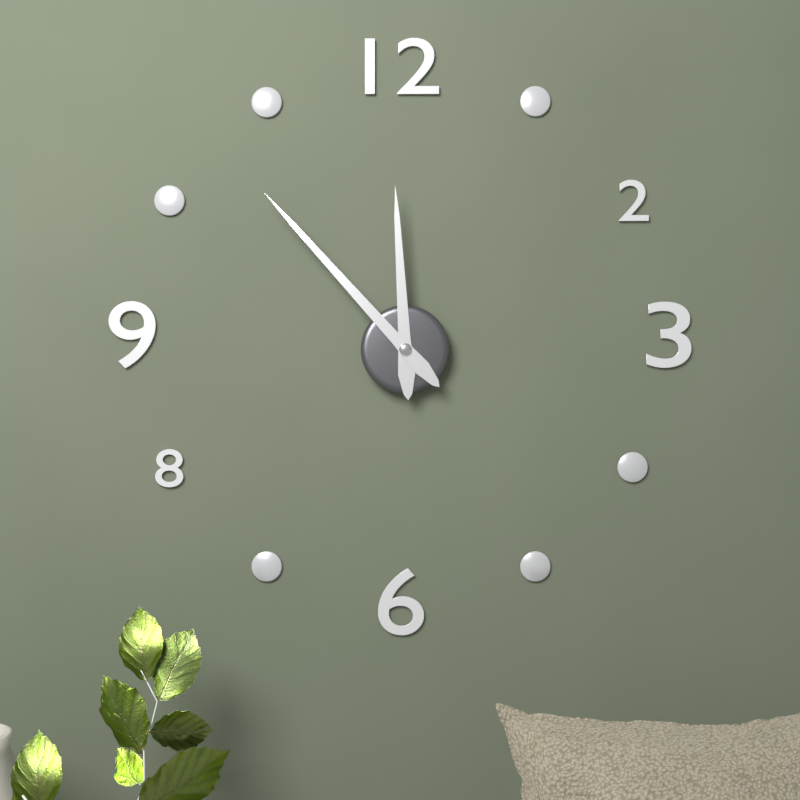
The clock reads **11:53**
